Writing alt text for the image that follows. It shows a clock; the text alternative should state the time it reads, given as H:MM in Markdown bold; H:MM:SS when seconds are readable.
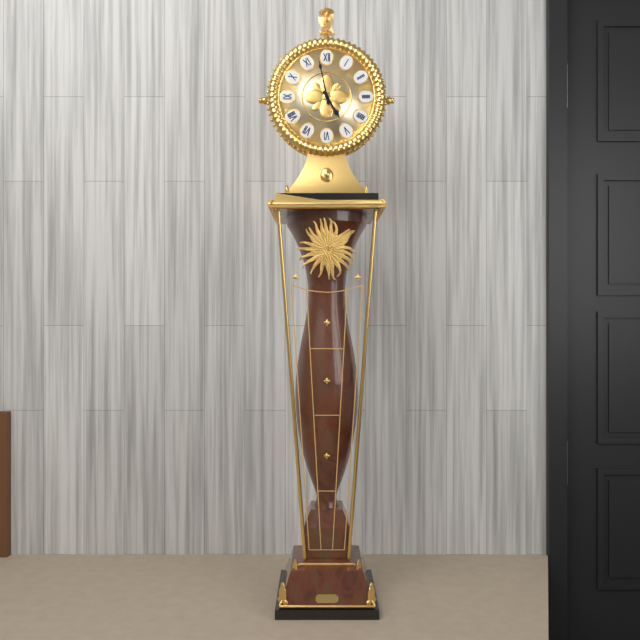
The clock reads **4:58**
